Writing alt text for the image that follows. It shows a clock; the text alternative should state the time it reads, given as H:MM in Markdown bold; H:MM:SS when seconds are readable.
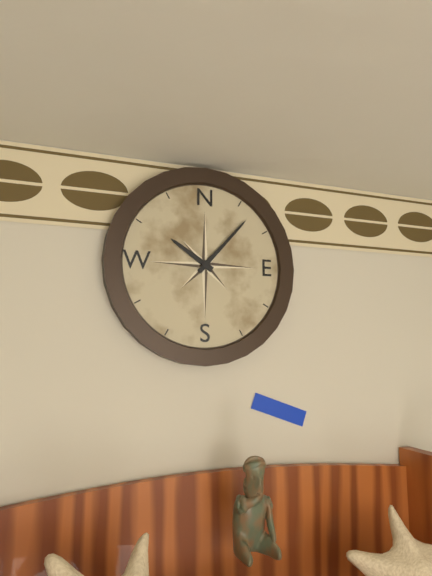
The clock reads **10:07**
